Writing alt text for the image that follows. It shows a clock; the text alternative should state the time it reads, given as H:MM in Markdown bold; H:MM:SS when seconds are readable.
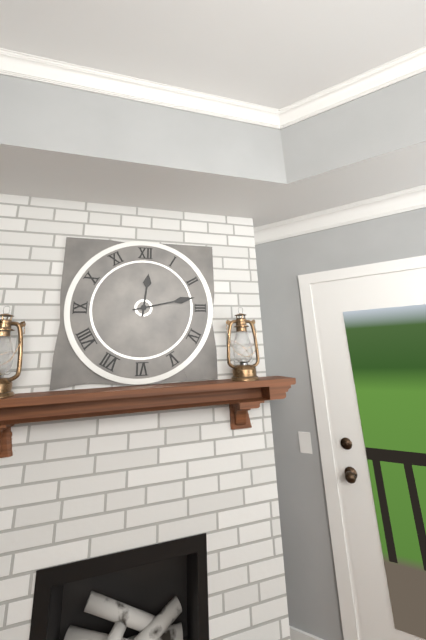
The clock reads **12:13**
